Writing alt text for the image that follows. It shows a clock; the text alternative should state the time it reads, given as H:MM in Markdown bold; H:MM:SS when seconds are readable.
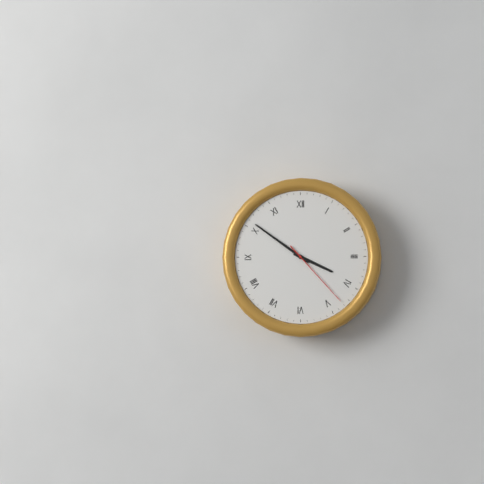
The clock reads **3:51:23**
